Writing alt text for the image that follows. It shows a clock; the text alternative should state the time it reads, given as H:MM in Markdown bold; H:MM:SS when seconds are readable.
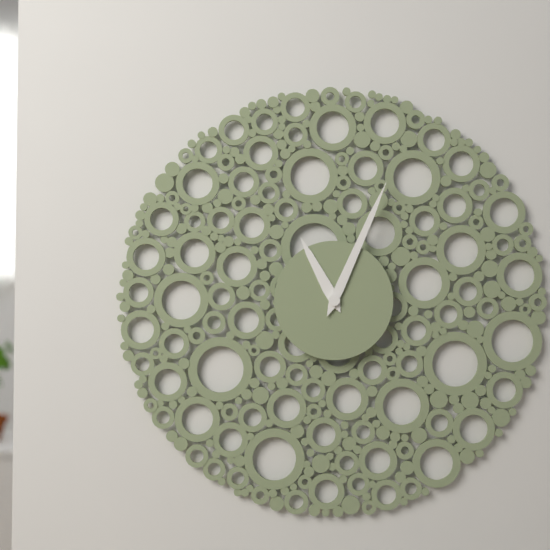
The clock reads **11:04**
